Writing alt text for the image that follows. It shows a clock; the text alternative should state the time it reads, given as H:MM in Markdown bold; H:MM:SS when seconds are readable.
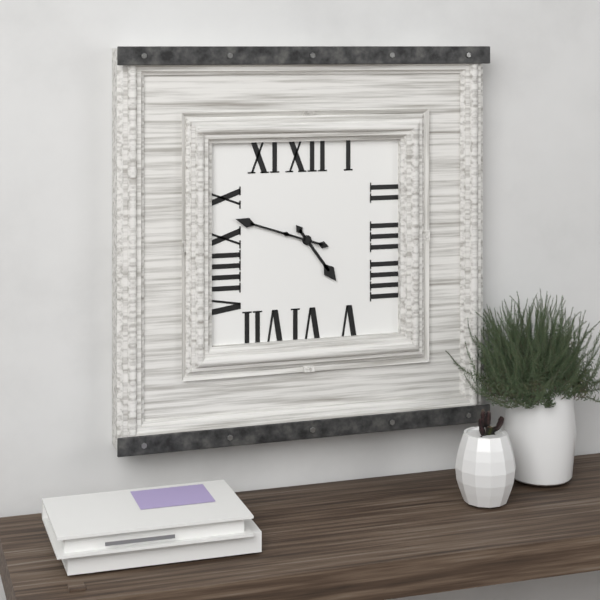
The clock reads **4:48**
